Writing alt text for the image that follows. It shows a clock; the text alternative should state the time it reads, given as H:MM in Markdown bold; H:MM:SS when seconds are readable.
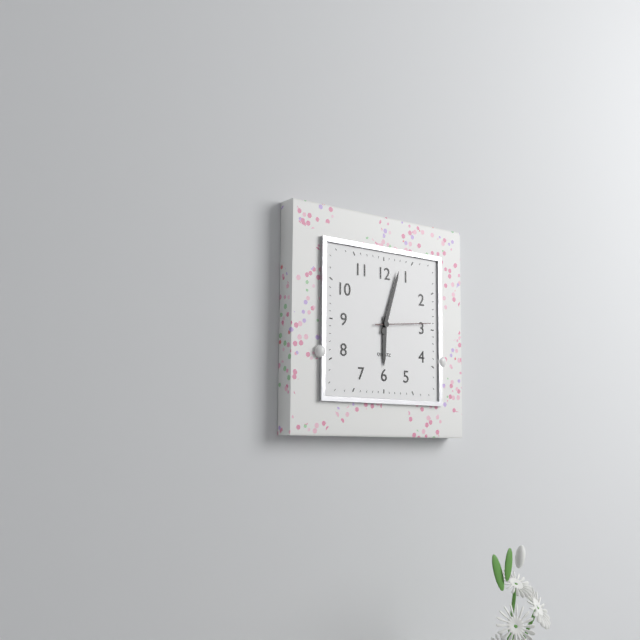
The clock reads **6:03:14**
